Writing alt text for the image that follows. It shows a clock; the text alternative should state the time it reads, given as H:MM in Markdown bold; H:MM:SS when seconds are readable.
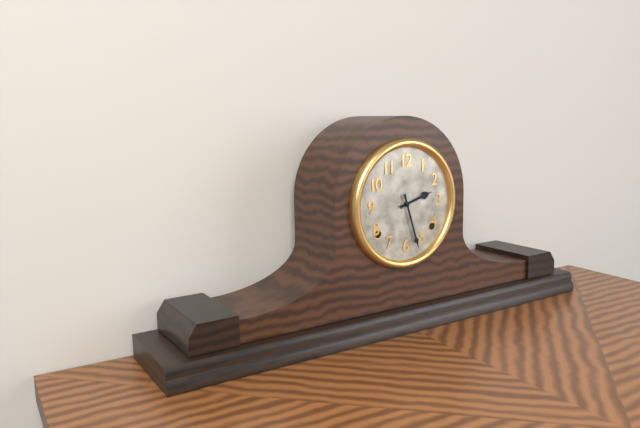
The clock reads **2:27**
